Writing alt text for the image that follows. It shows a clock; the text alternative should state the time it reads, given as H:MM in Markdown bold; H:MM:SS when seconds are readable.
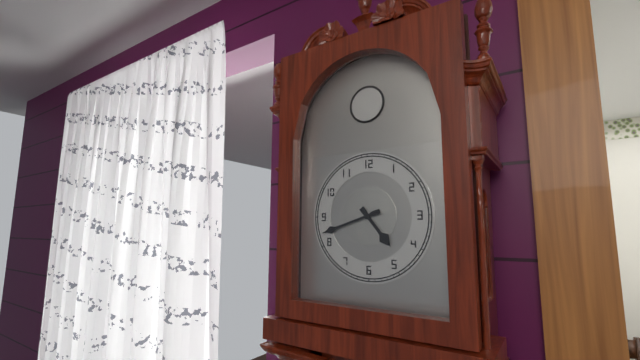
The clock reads **4:42**
